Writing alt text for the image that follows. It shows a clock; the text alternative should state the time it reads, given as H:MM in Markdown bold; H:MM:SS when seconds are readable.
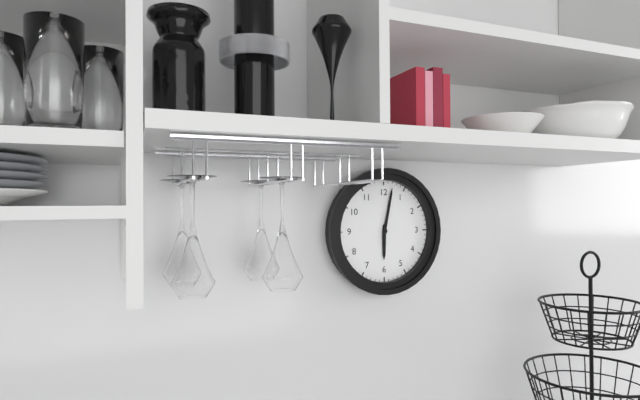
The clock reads **6:02**
